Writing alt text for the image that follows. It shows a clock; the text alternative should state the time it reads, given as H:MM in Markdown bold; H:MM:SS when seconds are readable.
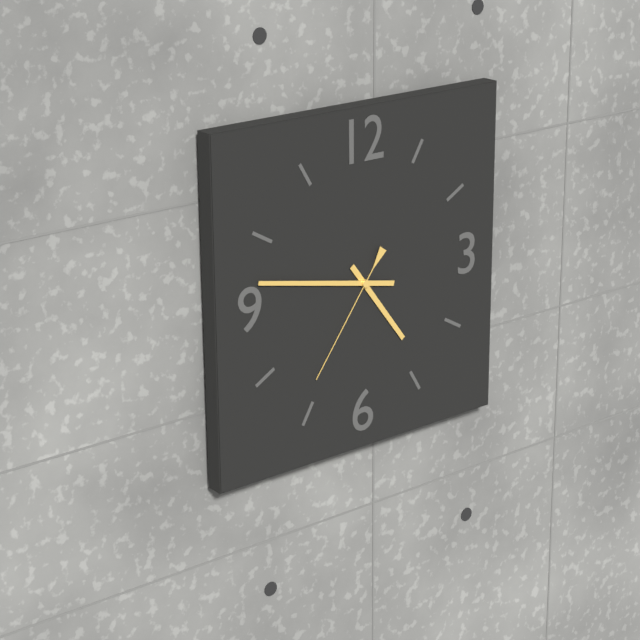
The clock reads **4:47:36**
